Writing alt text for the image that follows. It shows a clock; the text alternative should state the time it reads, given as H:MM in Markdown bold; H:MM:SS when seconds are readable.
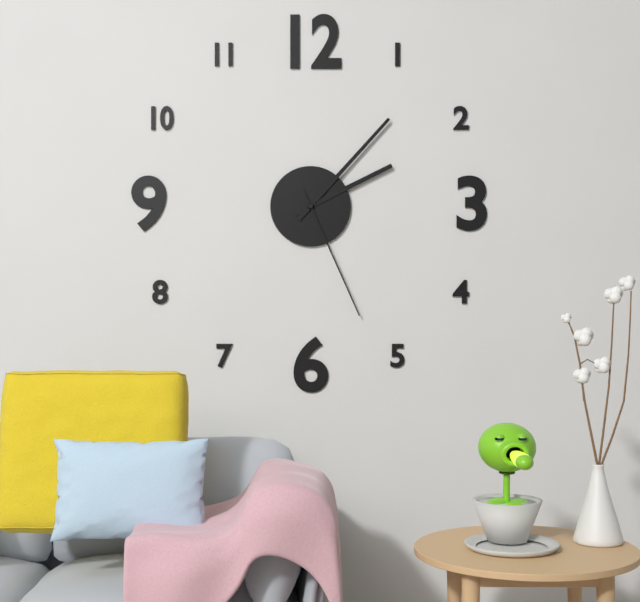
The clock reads **2:07:26**
